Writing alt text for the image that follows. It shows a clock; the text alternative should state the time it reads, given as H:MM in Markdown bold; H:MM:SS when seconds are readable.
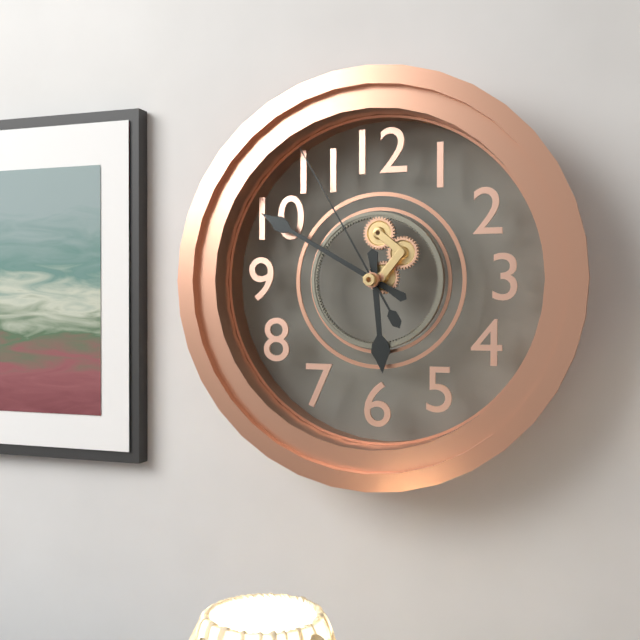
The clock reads **5:50:55**
